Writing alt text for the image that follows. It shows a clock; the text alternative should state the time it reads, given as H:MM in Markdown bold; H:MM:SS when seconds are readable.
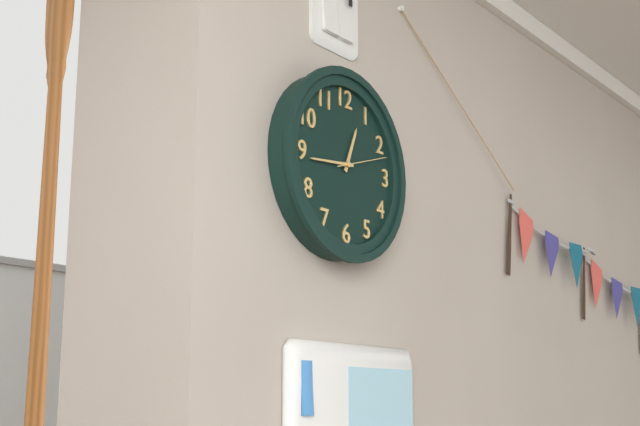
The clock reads **12:44**
